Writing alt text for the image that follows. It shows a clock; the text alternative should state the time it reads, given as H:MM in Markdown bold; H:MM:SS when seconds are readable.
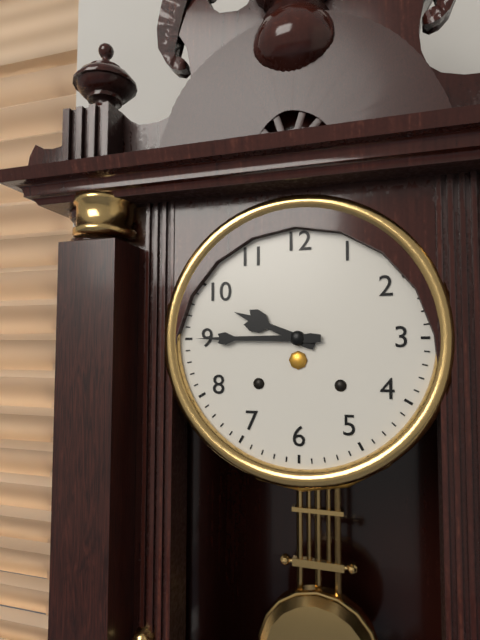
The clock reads **9:45**
